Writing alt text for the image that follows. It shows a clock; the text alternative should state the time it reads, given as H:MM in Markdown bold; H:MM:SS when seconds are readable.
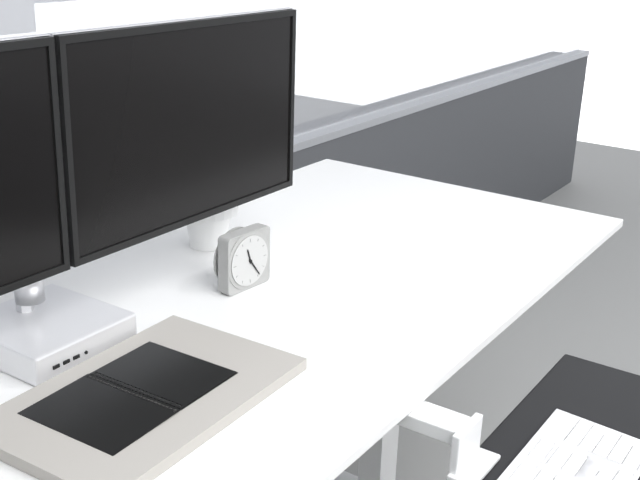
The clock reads **11:24**
